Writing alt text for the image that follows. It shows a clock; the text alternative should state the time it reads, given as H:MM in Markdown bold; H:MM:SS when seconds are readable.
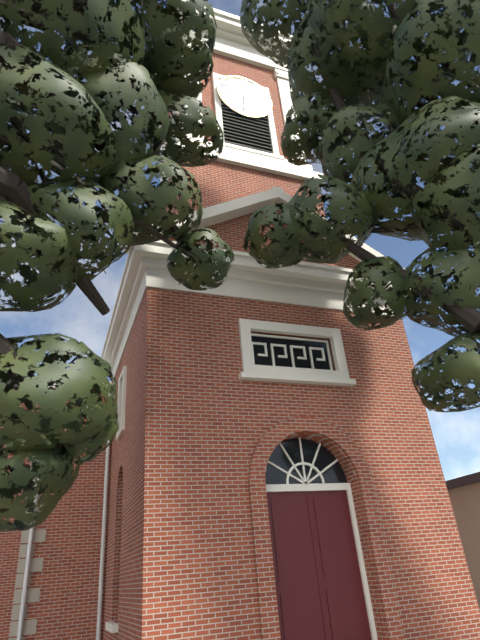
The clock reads **12:31**
